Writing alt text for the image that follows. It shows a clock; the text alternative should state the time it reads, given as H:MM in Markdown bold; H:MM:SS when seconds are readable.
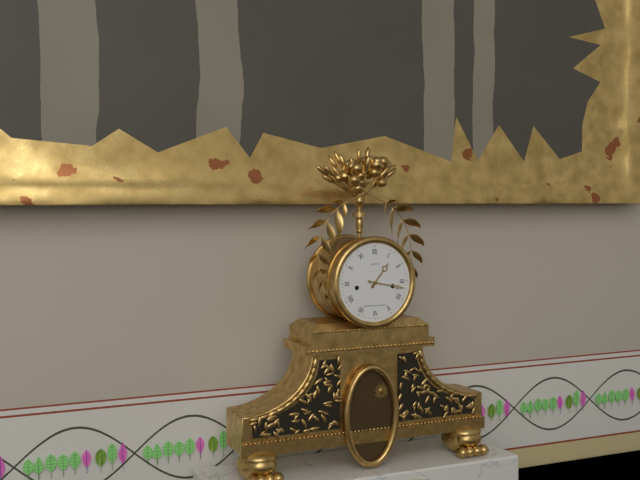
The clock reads **1:17**
